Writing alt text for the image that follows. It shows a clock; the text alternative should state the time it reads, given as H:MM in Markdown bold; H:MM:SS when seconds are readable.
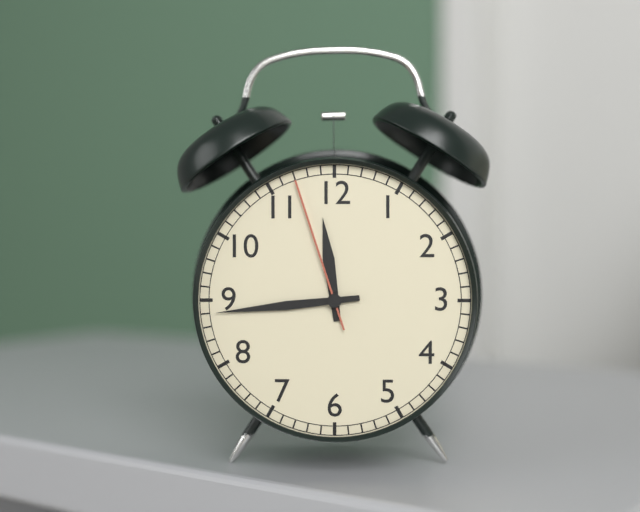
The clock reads **11:44:57**
